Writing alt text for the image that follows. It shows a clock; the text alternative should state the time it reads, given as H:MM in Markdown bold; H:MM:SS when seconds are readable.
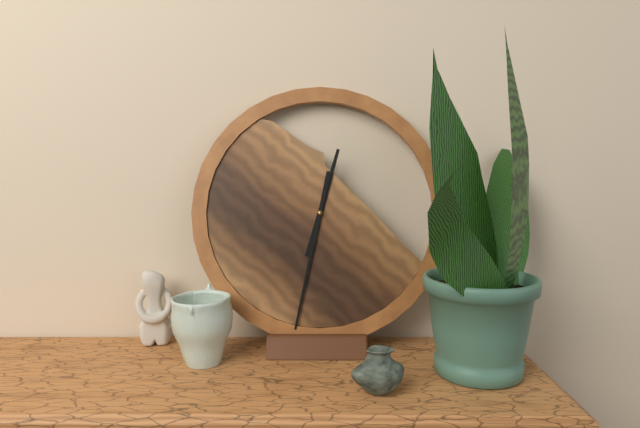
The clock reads **12:32**
